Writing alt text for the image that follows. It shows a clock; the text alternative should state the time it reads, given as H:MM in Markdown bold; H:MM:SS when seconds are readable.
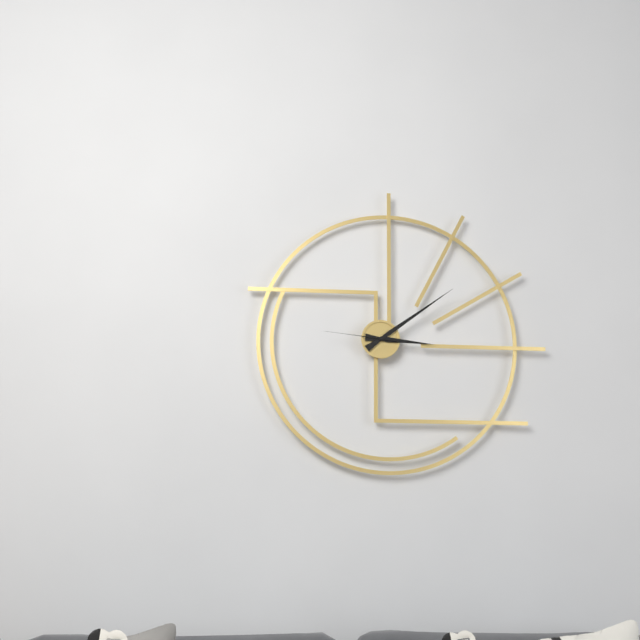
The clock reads **3:09:46**
